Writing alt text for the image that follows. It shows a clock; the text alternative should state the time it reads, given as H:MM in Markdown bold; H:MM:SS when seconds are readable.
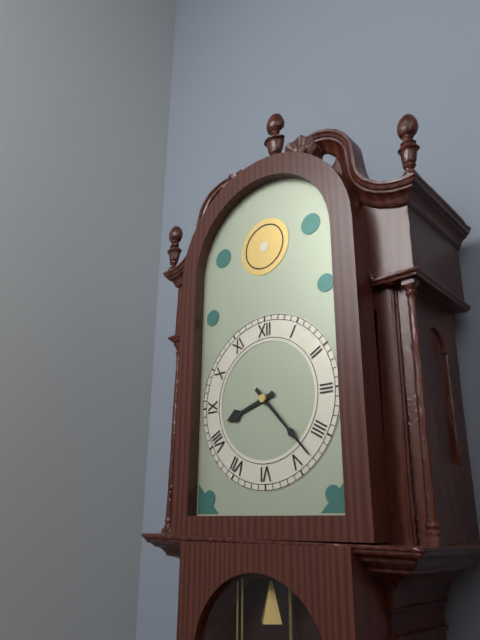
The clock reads **8:23**
